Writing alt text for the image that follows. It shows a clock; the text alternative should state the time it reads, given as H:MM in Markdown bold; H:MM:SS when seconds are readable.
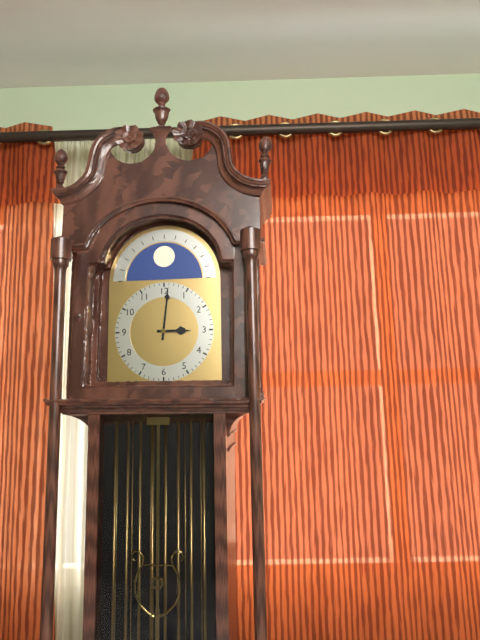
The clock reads **3:01**
